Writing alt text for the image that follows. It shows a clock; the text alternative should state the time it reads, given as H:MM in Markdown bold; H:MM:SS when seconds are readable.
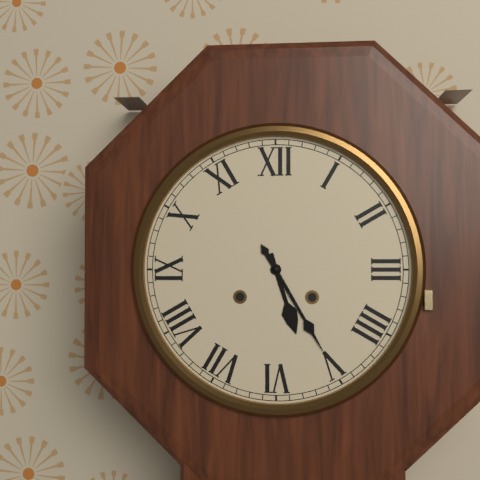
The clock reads **5:25**
